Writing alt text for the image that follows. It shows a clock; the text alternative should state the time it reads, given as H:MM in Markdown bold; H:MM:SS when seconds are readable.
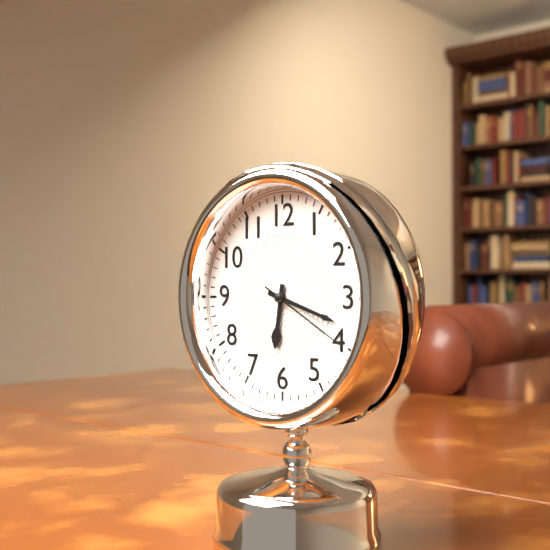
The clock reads **6:18:20**
